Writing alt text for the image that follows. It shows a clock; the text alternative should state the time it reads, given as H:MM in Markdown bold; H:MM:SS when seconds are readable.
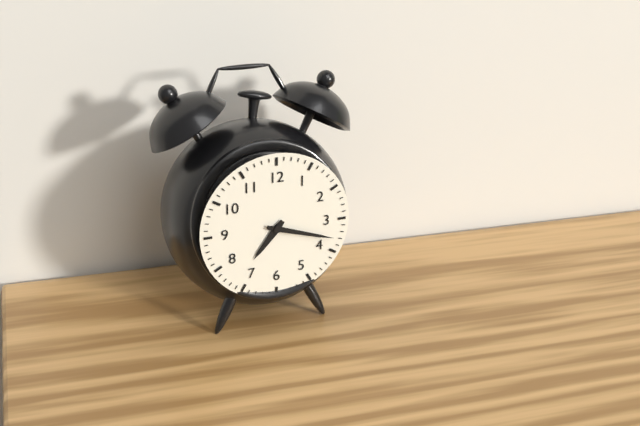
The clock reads **7:18**
